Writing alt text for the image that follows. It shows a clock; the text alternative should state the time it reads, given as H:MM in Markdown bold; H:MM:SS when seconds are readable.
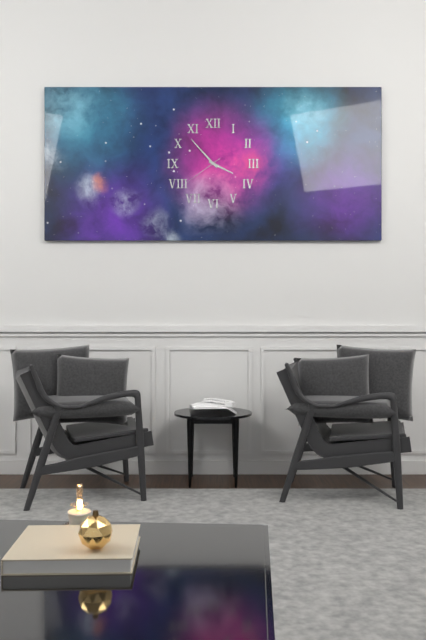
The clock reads **3:53**
